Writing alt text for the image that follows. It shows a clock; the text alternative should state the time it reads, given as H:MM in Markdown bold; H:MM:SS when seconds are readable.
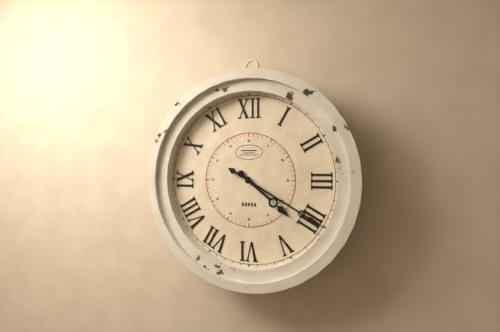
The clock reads **4:20**
